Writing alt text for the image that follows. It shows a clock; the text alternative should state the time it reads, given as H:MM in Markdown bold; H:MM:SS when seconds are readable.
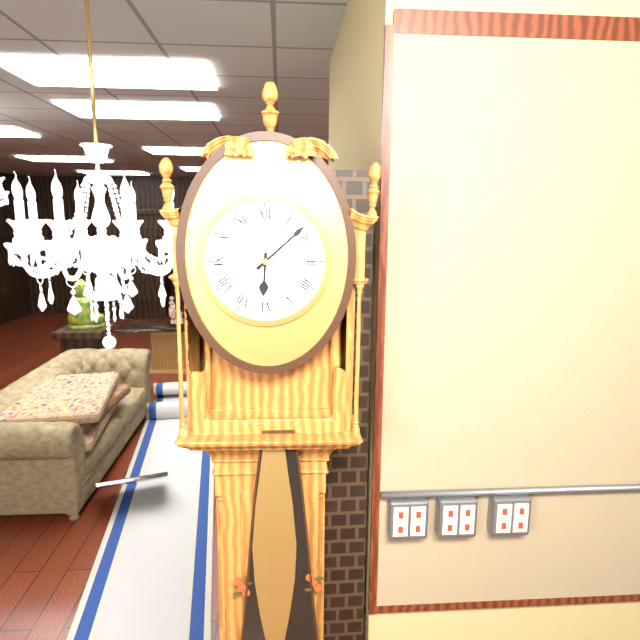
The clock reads **6:08**
